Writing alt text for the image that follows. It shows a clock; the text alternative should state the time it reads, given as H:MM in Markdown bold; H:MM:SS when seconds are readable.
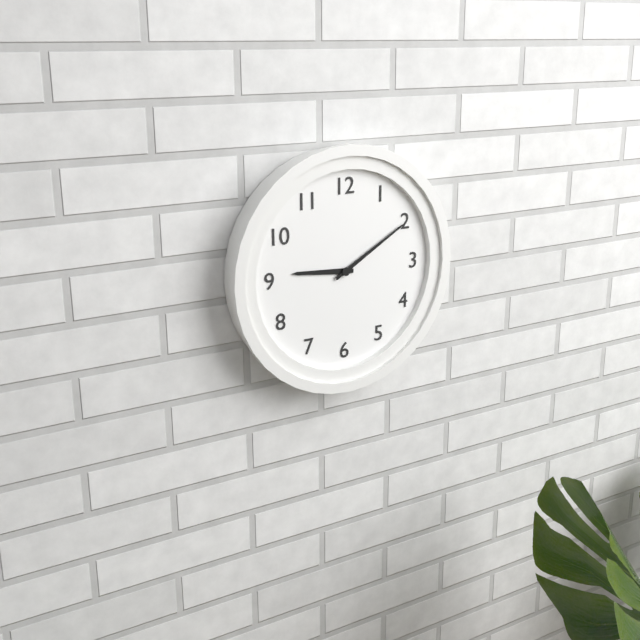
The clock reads **9:10**
